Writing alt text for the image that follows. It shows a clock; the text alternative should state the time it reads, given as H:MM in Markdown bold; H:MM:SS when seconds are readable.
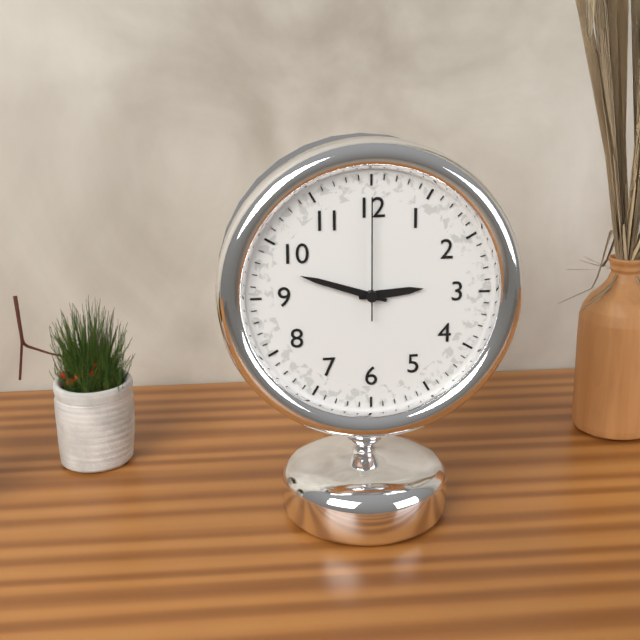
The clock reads **2:48:00**
